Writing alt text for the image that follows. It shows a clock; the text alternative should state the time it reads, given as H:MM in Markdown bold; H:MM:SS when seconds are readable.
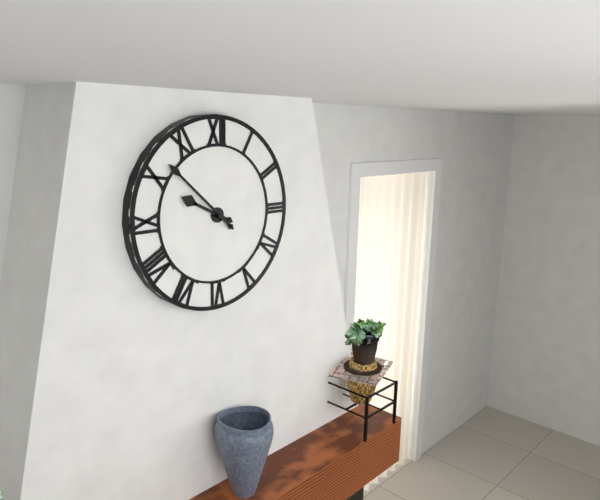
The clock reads **9:52**
